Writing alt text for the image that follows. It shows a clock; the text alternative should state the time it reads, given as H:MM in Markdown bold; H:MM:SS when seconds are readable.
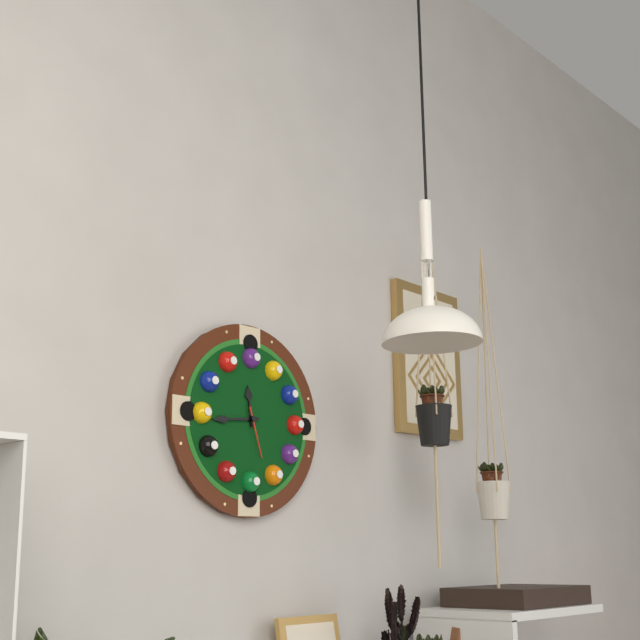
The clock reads **11:44:27**
